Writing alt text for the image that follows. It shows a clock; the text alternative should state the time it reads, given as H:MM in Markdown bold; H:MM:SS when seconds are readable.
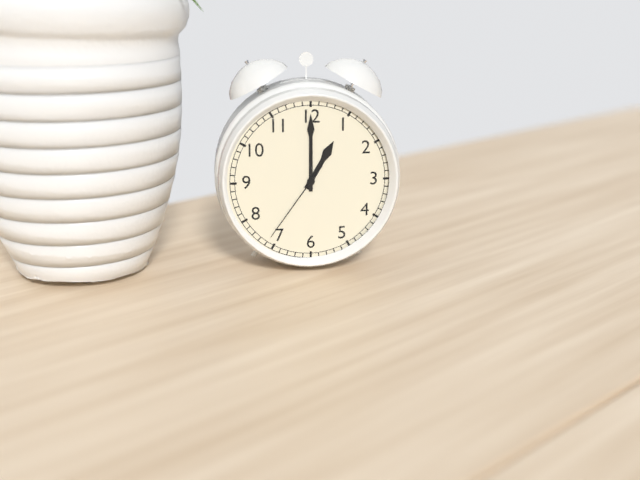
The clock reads **1:00:36**
